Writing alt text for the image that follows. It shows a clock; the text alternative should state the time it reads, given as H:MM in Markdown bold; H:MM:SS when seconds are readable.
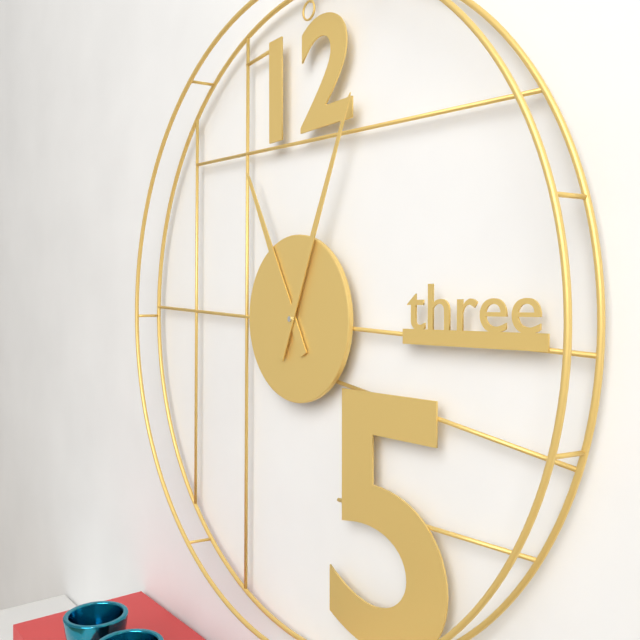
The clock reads **11:04**
